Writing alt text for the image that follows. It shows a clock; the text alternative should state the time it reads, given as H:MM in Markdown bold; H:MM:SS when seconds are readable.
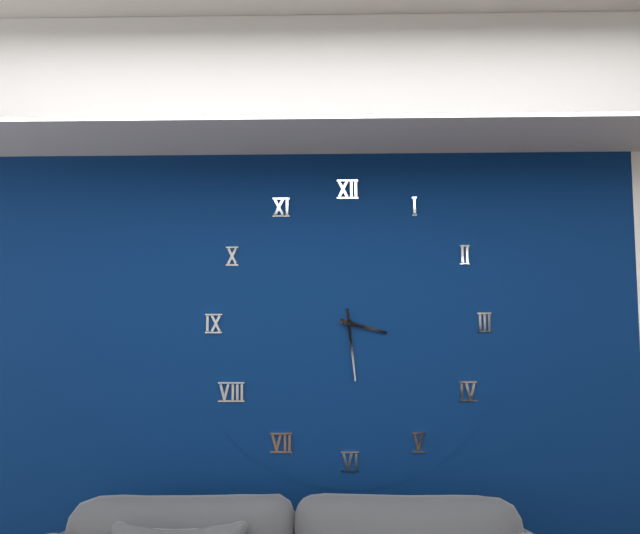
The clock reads **3:29**
